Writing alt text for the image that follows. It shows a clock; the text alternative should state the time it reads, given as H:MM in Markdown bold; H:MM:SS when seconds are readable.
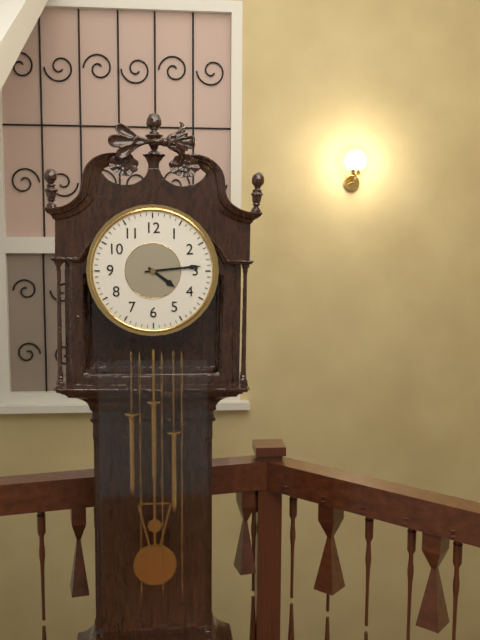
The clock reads **4:14**
